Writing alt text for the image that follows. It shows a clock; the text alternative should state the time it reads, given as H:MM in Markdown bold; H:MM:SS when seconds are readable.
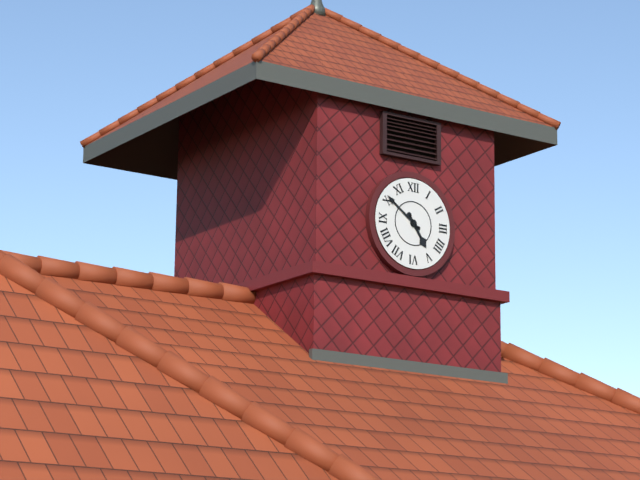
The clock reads **4:51**
